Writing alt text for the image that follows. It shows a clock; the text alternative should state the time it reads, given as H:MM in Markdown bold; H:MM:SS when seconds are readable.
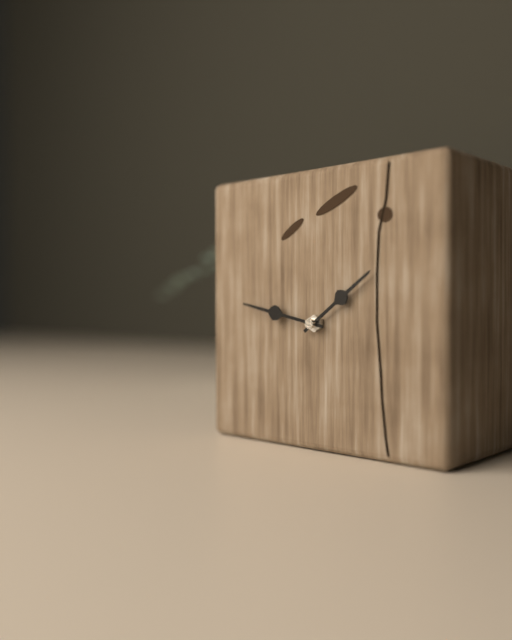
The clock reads **1:47**
